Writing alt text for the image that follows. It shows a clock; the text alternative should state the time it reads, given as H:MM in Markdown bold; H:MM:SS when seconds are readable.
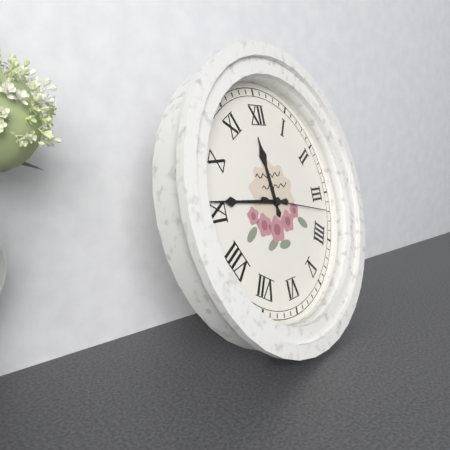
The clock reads **11:46:17**
